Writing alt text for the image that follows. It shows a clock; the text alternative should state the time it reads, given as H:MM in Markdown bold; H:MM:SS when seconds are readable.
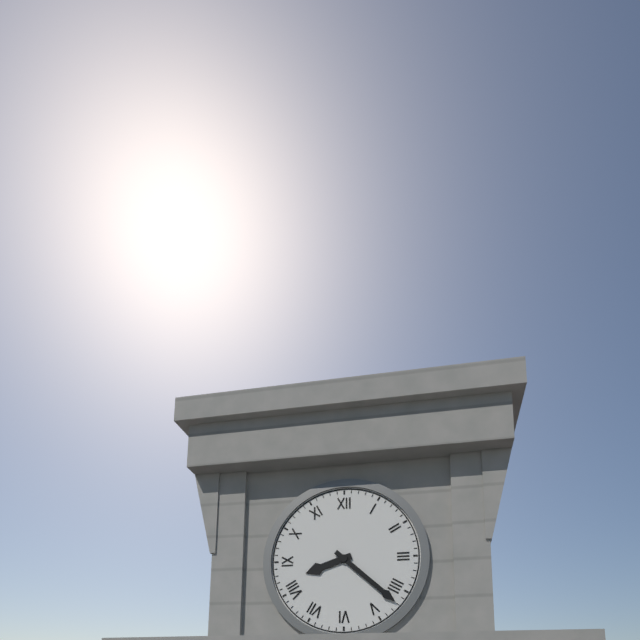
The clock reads **8:22**
